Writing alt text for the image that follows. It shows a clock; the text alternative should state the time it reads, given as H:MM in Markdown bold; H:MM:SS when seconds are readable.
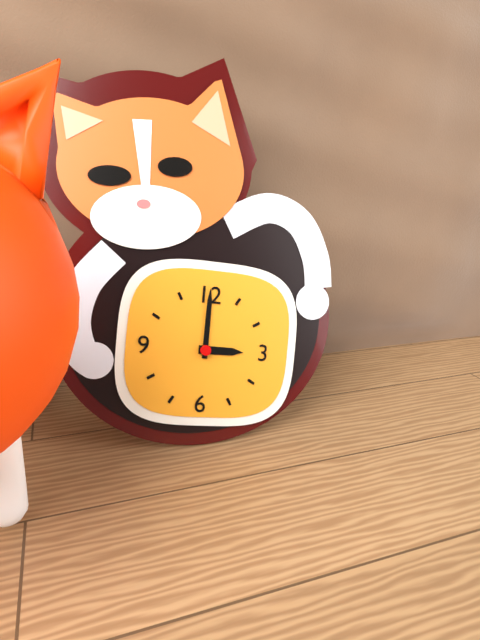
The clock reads **3:00**
